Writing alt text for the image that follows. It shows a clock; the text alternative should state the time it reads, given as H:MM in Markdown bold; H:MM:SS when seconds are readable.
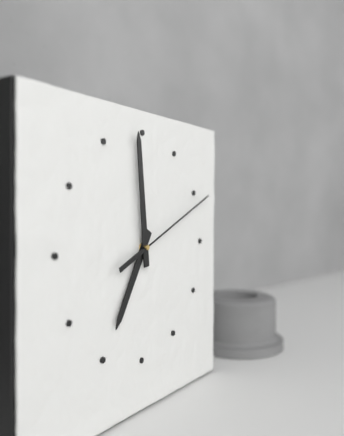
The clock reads **6:59:11**
